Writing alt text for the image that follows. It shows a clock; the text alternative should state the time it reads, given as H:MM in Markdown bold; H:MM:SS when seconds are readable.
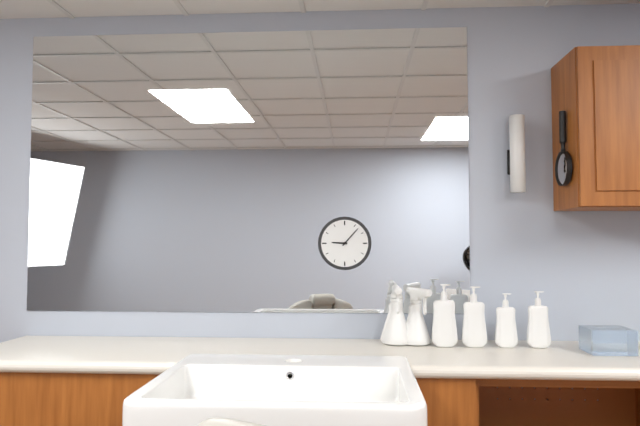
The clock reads **9:07**
